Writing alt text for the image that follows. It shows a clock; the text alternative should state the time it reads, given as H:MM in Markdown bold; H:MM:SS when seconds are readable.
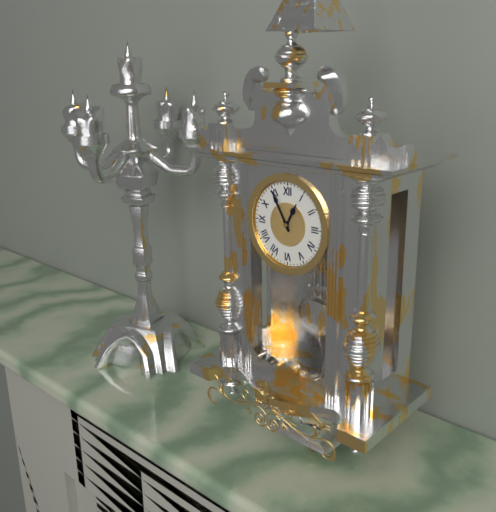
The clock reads **12:55**
